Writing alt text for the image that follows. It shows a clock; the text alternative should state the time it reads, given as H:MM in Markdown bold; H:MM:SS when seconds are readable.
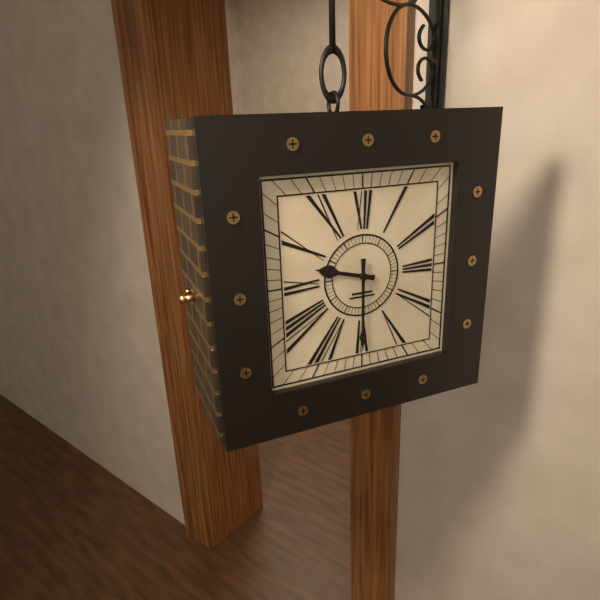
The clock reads **9:30**
